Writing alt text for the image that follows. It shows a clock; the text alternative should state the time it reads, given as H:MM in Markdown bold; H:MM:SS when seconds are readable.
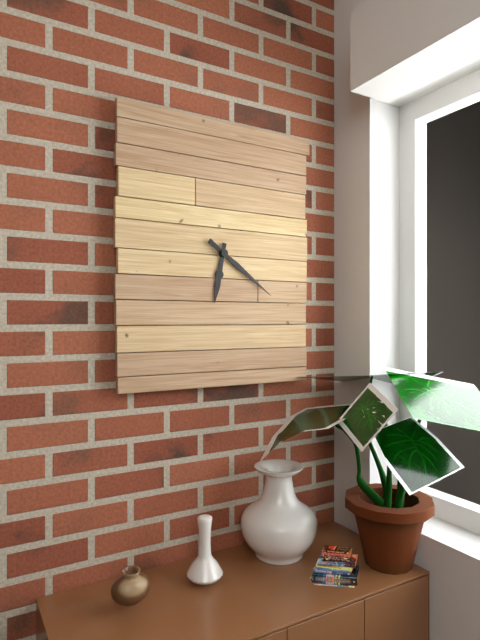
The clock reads **6:21**
